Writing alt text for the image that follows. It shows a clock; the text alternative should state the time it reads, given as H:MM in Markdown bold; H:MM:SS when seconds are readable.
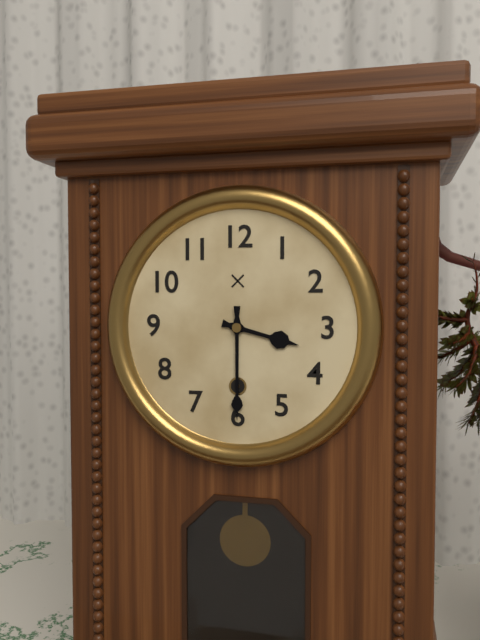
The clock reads **3:30**
